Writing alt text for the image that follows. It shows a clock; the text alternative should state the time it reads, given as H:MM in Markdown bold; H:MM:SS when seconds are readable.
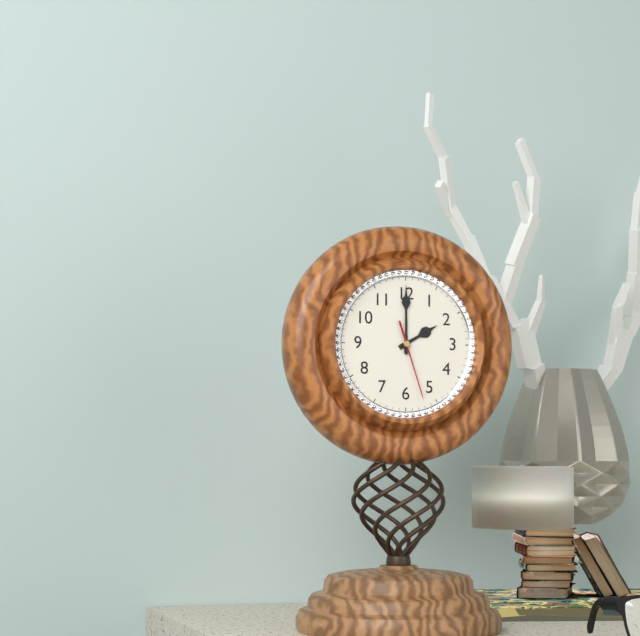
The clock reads **2:00:27**
